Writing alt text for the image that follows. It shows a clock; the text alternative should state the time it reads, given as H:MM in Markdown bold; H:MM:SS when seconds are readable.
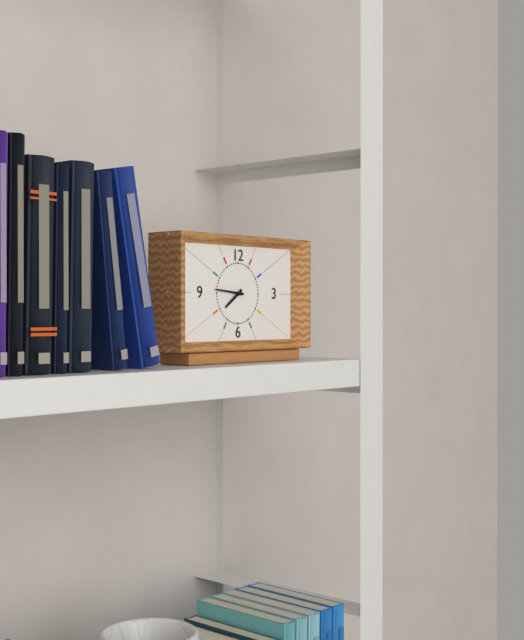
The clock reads **7:46**
